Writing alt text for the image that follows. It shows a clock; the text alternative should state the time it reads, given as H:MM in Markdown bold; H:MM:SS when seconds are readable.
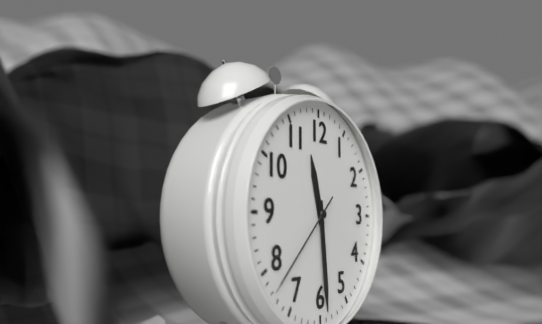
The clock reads **11:29:38**
